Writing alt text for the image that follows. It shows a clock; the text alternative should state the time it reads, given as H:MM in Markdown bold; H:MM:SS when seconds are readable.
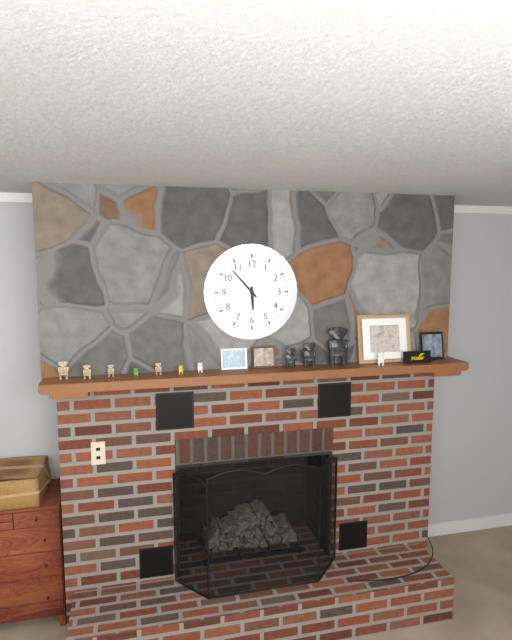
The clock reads **5:53**
